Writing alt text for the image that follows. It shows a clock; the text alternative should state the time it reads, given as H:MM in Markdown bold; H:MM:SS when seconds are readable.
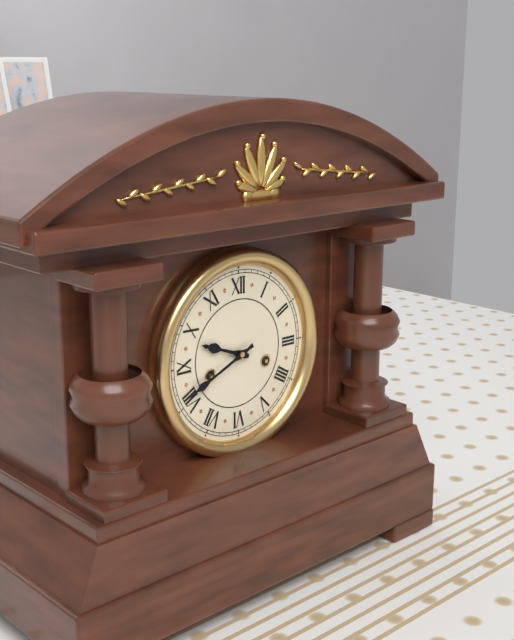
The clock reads **9:41**
